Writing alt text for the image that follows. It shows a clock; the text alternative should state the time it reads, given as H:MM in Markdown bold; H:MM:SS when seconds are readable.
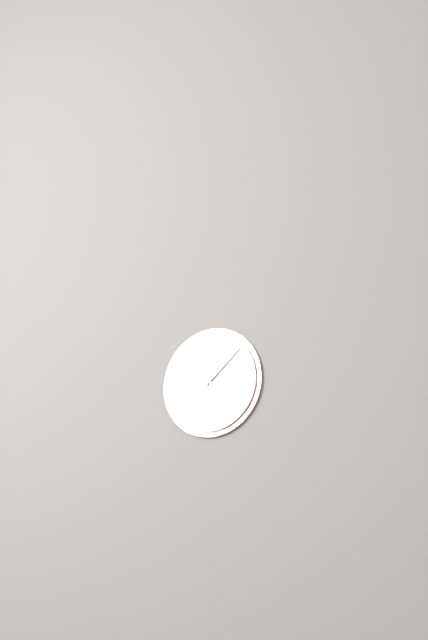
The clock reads **11:08**
